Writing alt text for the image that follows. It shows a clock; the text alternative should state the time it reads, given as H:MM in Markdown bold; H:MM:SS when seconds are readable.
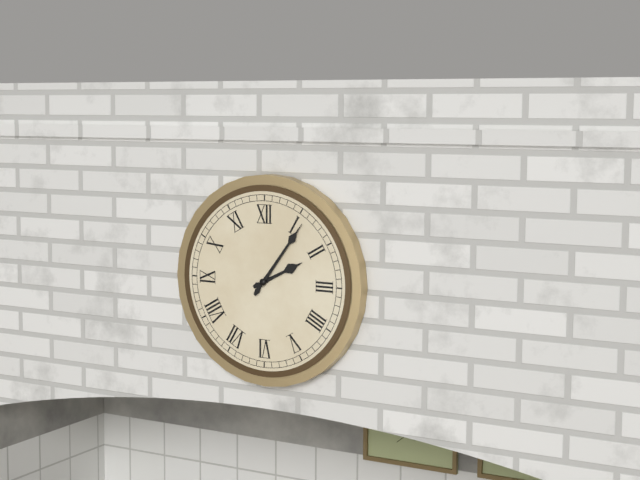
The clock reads **2:06**
